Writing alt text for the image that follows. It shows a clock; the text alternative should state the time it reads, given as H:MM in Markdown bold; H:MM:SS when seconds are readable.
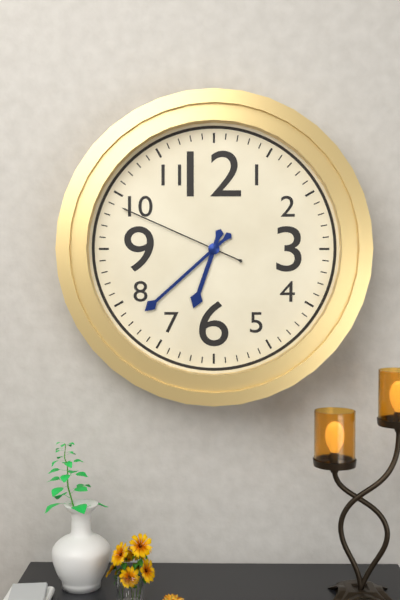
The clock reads **6:38:49**
